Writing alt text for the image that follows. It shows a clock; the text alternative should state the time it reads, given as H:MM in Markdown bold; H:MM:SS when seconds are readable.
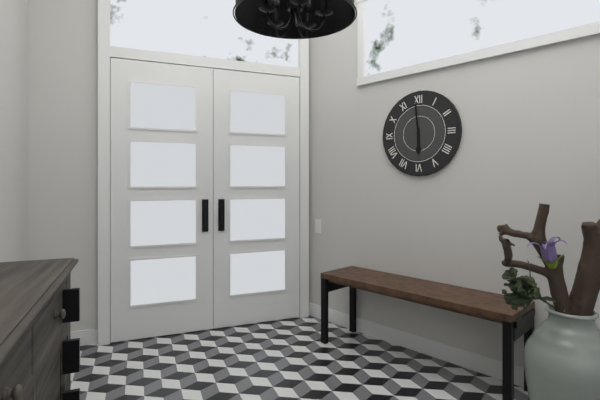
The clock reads **5:59**
